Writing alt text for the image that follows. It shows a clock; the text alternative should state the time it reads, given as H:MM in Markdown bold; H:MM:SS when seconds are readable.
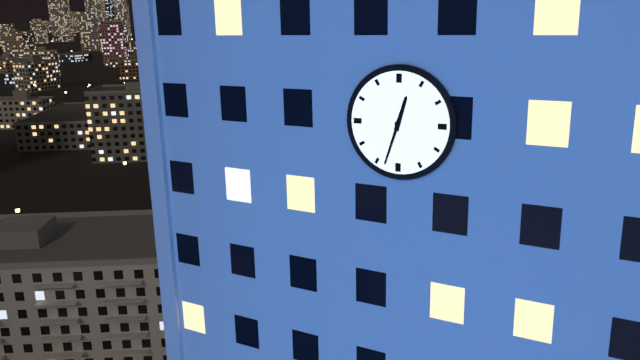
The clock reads **12:33**
